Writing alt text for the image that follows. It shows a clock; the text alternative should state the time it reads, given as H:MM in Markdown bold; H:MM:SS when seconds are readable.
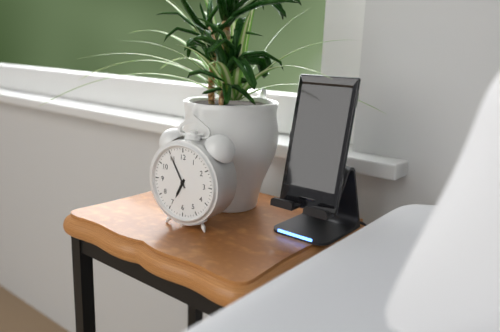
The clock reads **6:55**
